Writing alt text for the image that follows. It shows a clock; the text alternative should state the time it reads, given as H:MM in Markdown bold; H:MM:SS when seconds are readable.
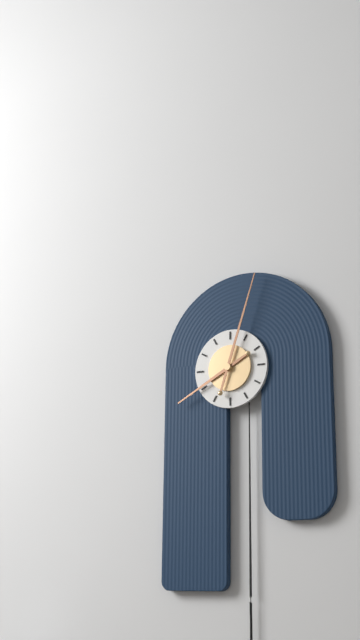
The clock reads **8:03**
